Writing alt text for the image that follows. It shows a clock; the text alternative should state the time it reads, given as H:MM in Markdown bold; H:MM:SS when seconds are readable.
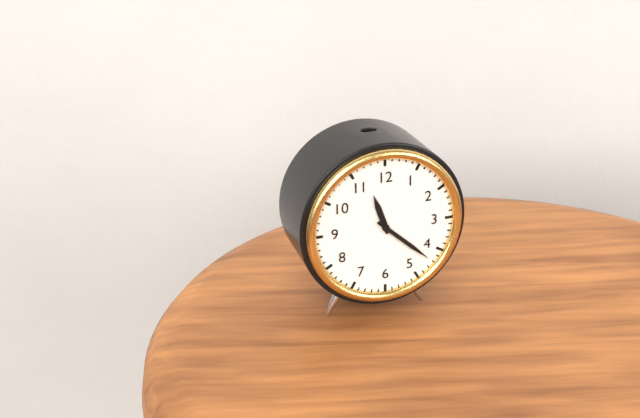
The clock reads **11:22**
